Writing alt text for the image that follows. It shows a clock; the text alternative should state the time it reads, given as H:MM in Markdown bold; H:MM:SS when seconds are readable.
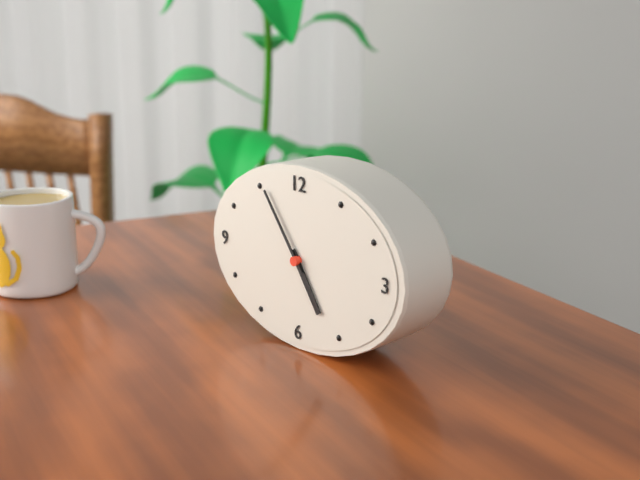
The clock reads **4:54**
